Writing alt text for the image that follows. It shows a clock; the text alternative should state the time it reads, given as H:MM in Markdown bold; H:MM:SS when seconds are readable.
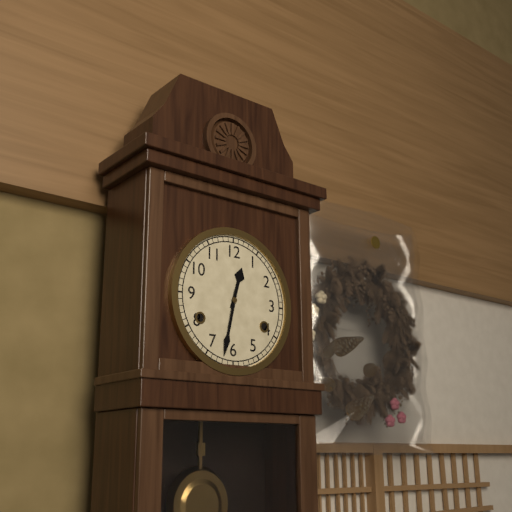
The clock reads **12:32**
